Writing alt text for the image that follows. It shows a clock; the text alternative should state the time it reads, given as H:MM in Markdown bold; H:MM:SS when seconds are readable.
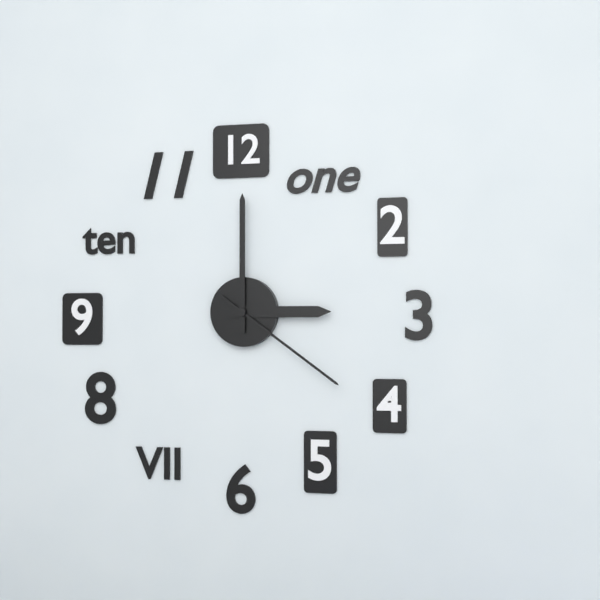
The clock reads **3:00:21**
